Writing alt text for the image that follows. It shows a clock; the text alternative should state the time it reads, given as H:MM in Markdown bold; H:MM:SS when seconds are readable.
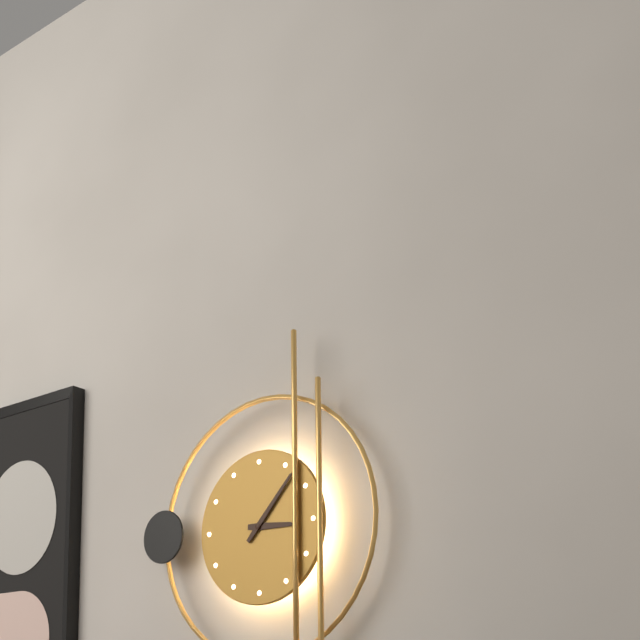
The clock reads **3:07**
